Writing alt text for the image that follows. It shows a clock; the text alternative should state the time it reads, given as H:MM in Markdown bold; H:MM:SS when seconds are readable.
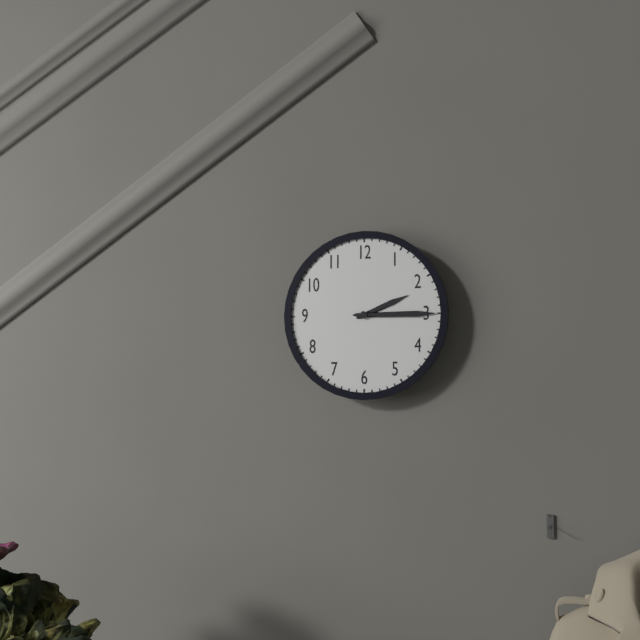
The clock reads **2:15**
